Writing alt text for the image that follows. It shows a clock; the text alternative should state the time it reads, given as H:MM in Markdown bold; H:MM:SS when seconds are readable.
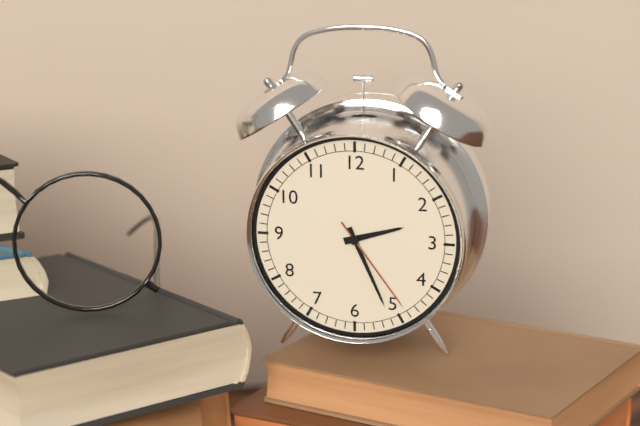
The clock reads **2:26:24**
